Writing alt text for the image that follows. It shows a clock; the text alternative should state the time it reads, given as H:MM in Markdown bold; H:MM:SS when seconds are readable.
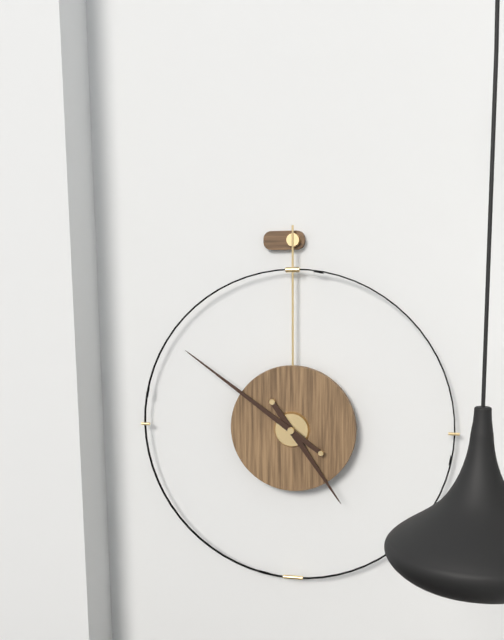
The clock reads **4:51**
